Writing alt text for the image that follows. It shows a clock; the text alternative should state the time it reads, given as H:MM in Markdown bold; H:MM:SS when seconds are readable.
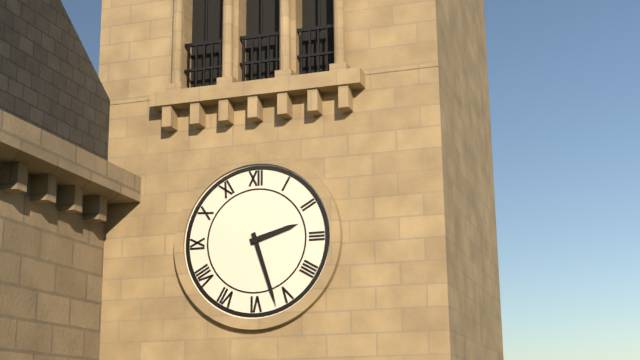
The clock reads **2:27**
